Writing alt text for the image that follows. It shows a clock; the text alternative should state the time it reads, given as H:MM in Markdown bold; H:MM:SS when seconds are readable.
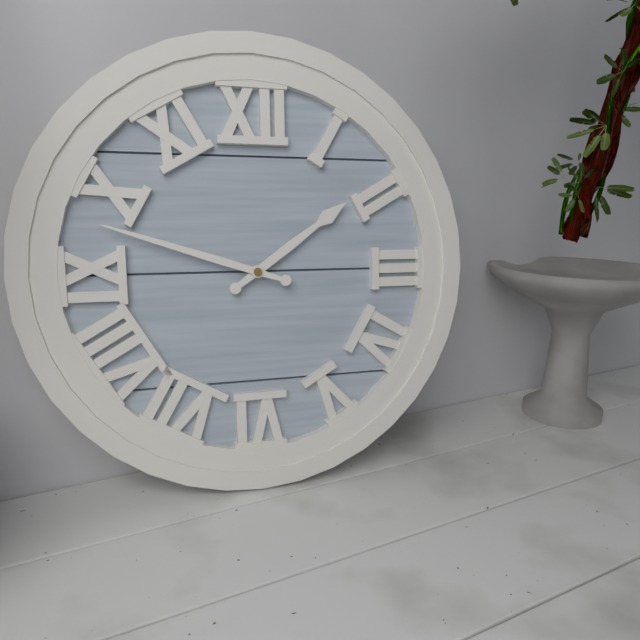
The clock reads **1:48**
